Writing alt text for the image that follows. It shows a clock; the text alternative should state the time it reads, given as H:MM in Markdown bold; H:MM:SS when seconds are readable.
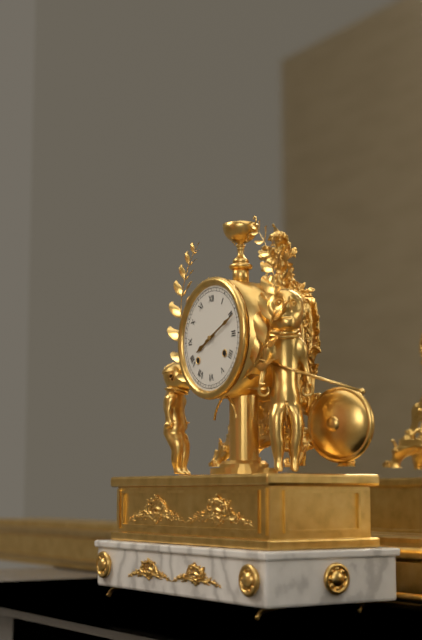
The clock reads **8:11**
